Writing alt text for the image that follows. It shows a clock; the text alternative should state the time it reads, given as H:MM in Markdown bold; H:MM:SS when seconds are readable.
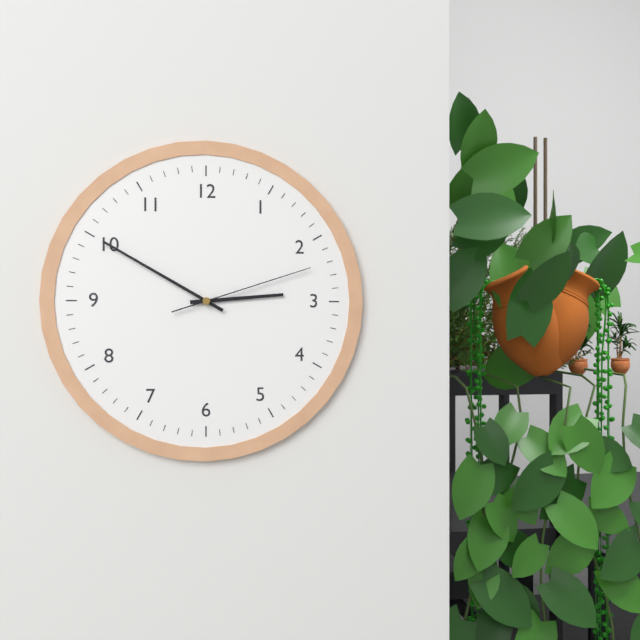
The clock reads **2:50:12**
